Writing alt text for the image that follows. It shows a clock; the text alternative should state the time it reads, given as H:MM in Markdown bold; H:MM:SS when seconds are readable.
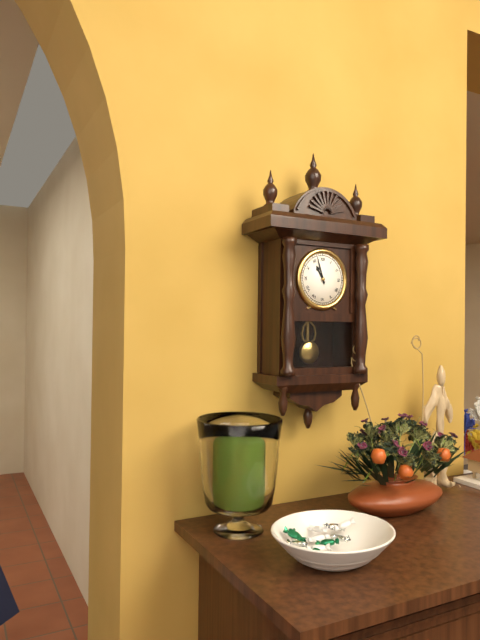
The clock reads **10:57**
